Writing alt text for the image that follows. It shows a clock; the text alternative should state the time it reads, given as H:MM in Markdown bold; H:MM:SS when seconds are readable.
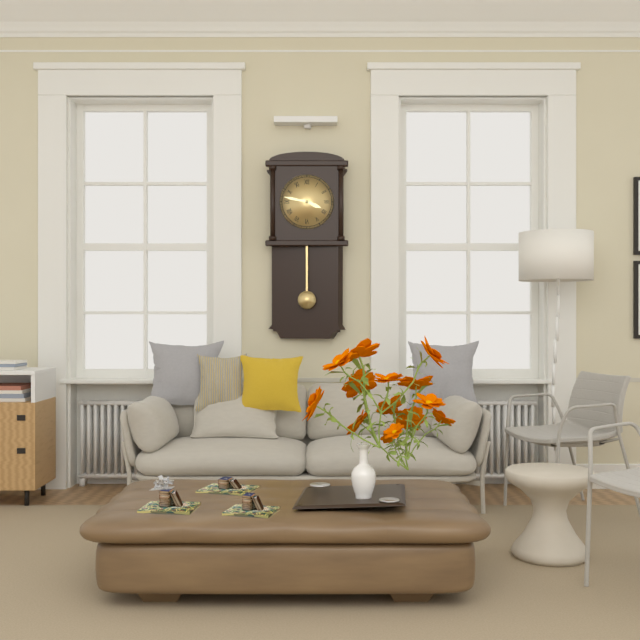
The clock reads **3:47**
